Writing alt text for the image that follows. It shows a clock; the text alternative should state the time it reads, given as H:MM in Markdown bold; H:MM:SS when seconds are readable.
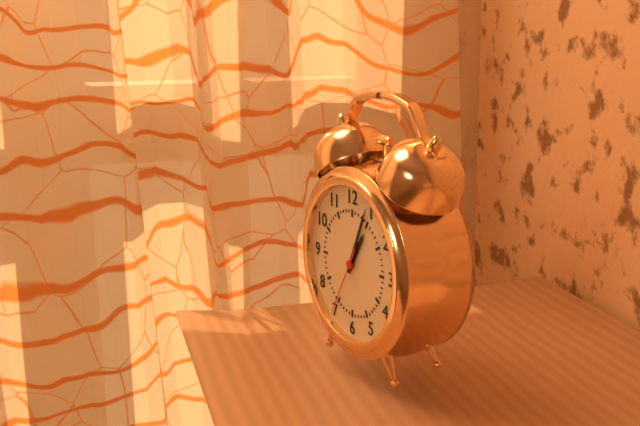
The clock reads **1:04:35**
